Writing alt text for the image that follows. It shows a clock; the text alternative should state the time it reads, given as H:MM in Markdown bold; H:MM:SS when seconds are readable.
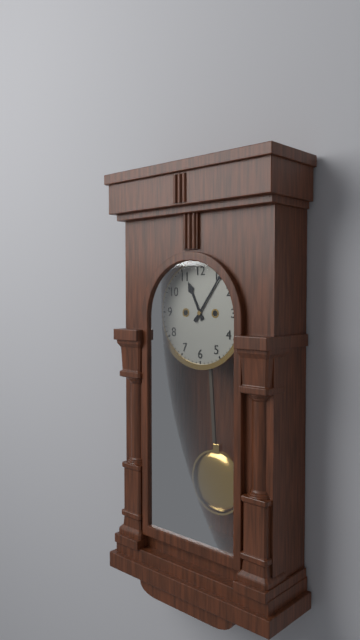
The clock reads **11:06**
